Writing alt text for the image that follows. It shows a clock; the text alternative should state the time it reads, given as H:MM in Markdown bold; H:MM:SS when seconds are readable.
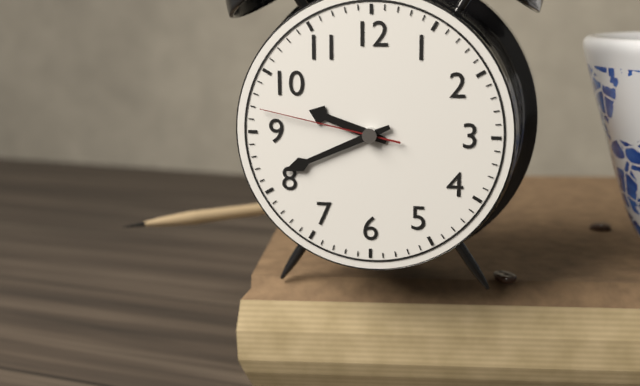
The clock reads **9:41:47**
